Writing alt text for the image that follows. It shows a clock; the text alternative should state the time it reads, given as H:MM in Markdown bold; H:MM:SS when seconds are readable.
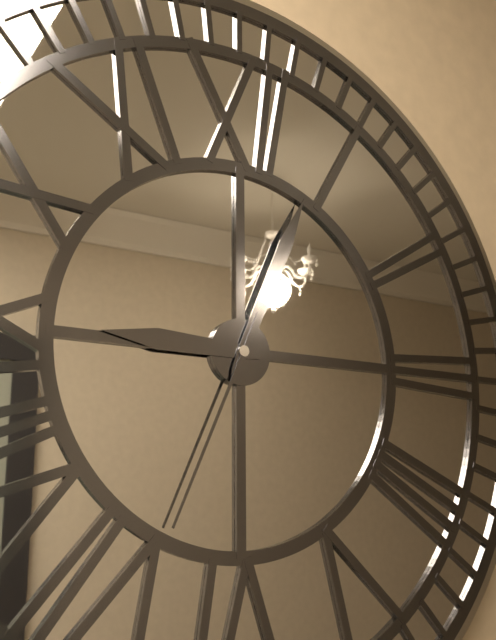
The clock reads **9:04:34**
